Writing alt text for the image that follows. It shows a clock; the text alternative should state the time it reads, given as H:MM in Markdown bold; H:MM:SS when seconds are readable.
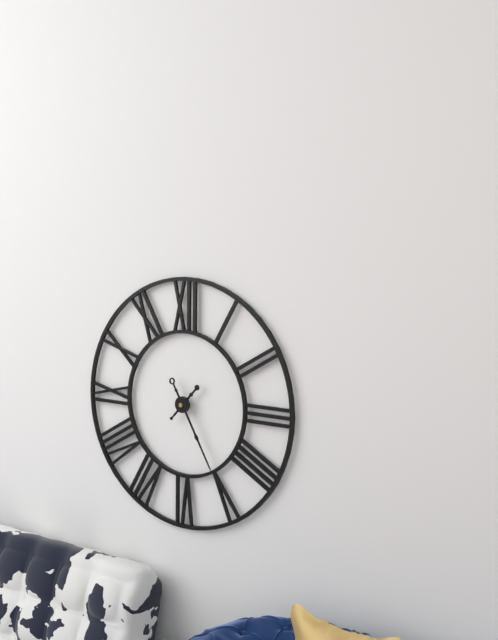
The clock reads **1:25**
